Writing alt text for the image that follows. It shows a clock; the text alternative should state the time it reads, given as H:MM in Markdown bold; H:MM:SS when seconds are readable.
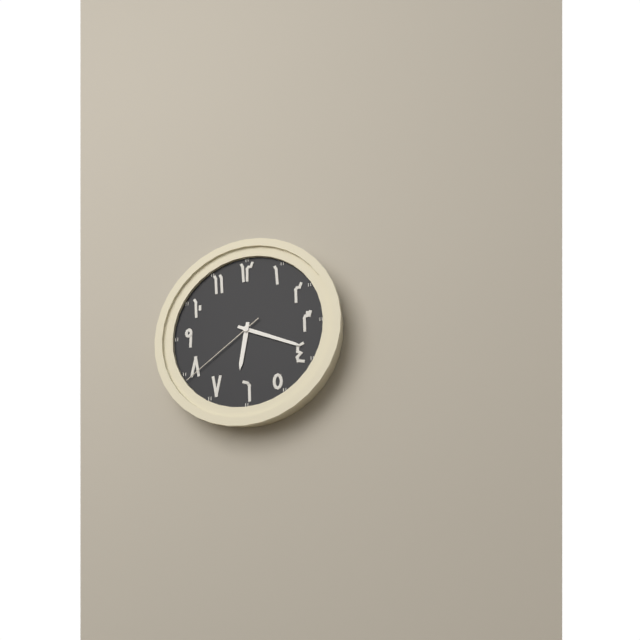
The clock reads **6:19:39**
